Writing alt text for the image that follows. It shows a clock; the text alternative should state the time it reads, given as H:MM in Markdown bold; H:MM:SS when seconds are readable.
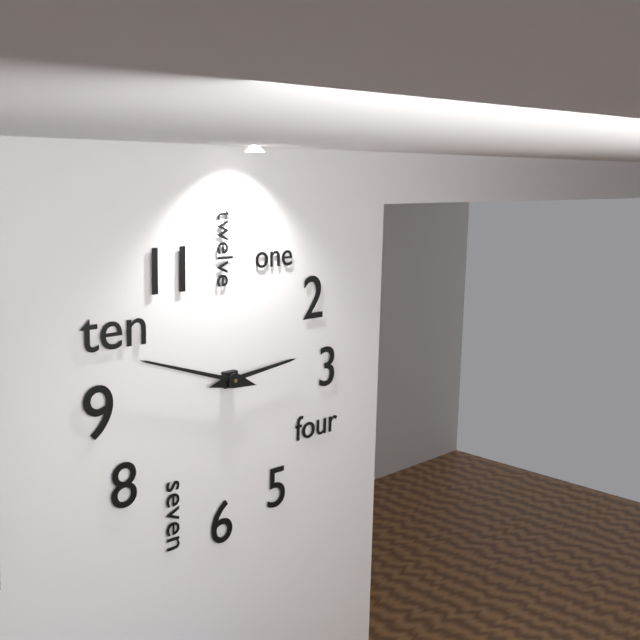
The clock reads **2:48**
